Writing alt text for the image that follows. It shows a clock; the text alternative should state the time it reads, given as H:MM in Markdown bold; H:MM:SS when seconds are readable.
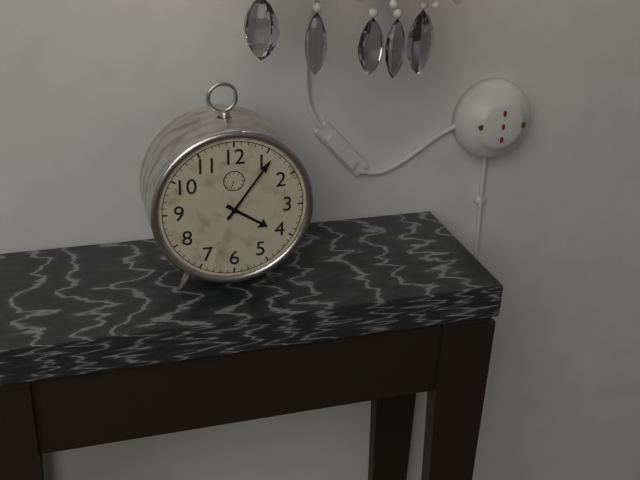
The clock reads **4:06**
